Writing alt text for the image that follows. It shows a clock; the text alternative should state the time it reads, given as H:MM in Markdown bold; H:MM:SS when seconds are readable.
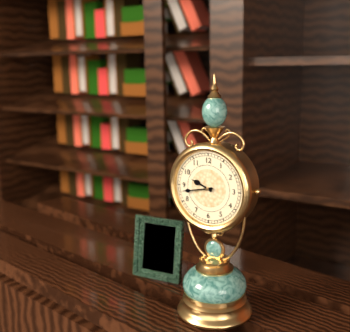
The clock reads **9:43**
